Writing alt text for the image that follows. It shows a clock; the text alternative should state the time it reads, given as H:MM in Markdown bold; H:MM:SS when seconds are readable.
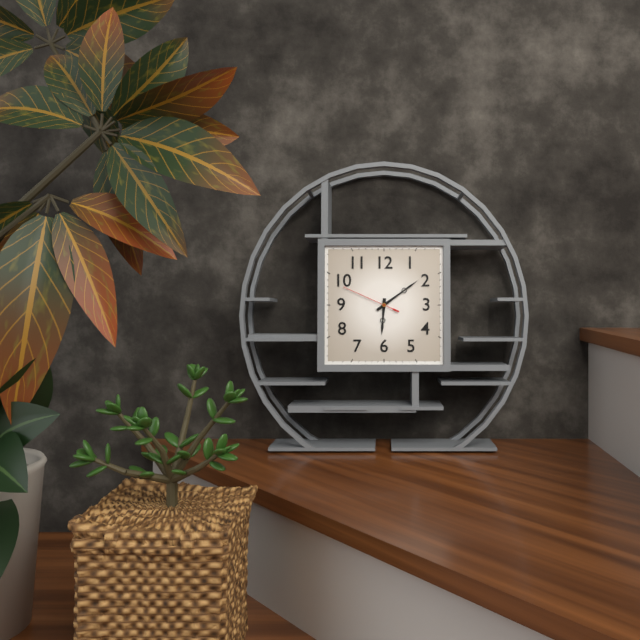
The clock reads **6:09:49**
